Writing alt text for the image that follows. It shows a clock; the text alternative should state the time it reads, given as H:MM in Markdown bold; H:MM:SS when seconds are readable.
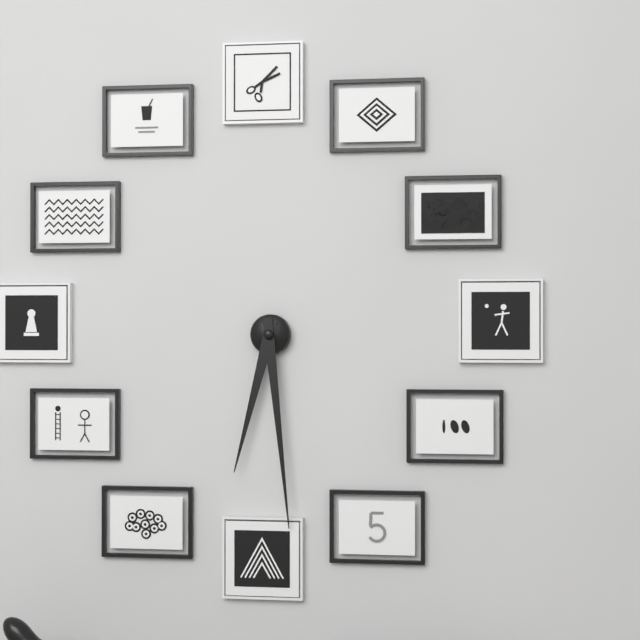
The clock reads **6:29**
